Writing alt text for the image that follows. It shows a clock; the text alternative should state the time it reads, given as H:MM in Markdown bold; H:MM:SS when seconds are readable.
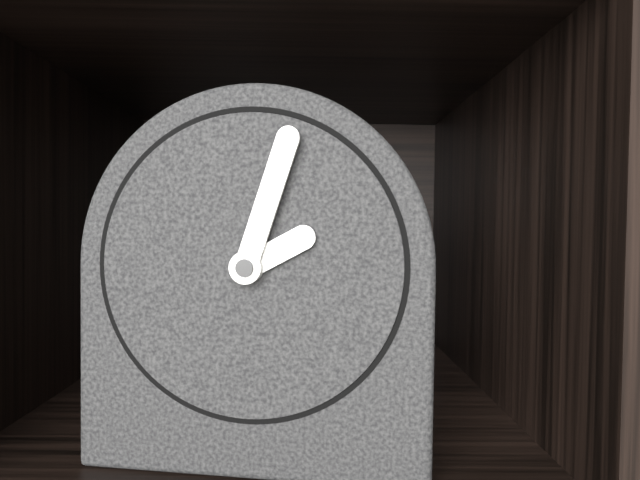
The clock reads **2:03**
